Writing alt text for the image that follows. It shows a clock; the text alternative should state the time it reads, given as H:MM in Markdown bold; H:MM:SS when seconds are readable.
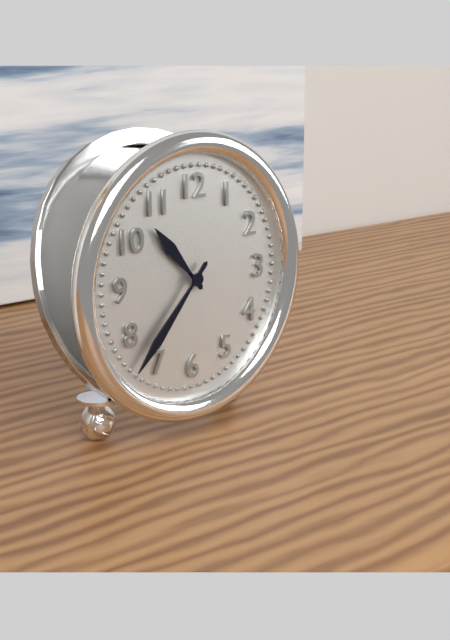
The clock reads **10:37**
